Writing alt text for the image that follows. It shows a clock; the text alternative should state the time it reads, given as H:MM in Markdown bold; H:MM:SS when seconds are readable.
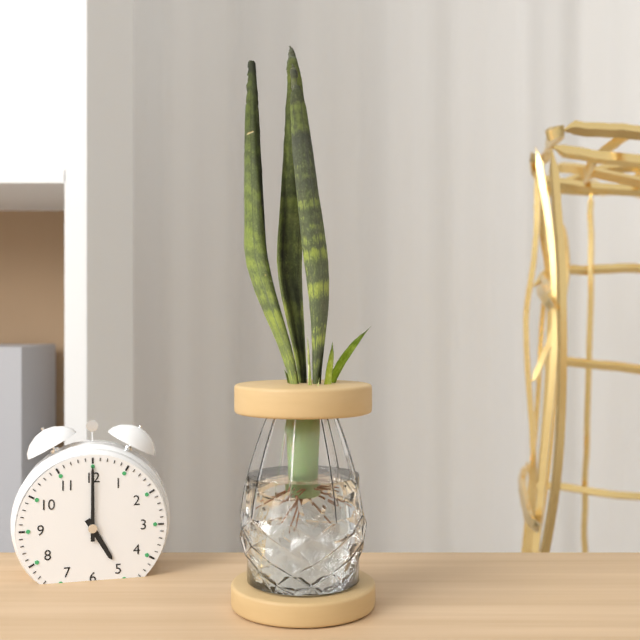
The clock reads **5:00**
